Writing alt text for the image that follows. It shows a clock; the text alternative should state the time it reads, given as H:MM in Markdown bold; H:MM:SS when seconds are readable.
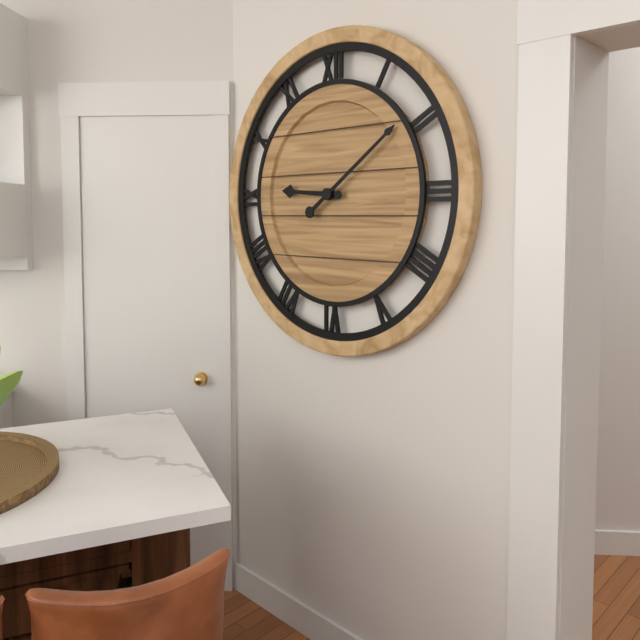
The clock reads **9:09**
